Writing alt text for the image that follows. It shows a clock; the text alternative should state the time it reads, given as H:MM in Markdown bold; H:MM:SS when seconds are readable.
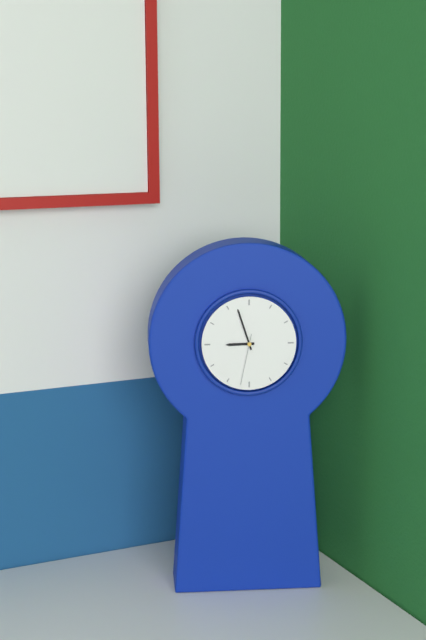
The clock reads **8:57:32**
